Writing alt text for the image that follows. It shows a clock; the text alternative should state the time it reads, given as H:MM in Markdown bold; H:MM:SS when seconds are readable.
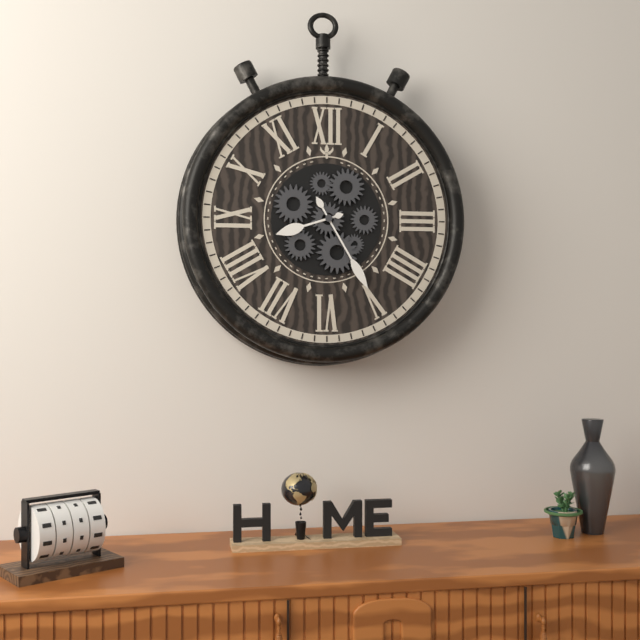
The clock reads **8:25**
